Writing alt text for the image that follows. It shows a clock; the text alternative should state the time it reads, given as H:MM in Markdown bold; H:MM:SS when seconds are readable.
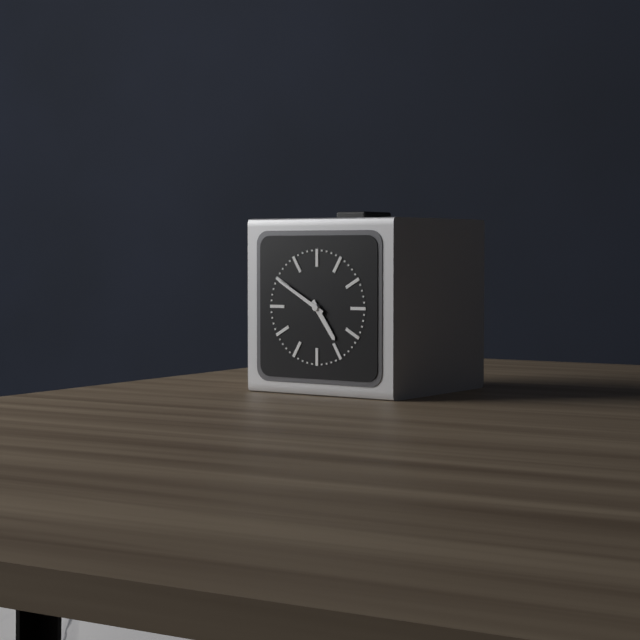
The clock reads **4:50**
